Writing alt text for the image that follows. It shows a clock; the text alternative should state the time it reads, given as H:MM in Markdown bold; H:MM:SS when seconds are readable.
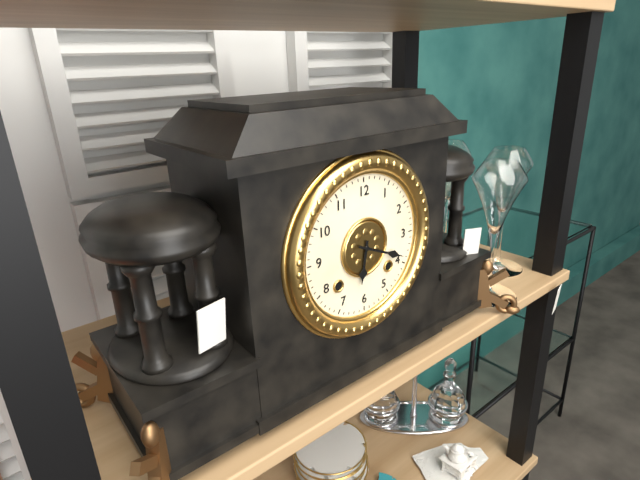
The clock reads **6:19**
